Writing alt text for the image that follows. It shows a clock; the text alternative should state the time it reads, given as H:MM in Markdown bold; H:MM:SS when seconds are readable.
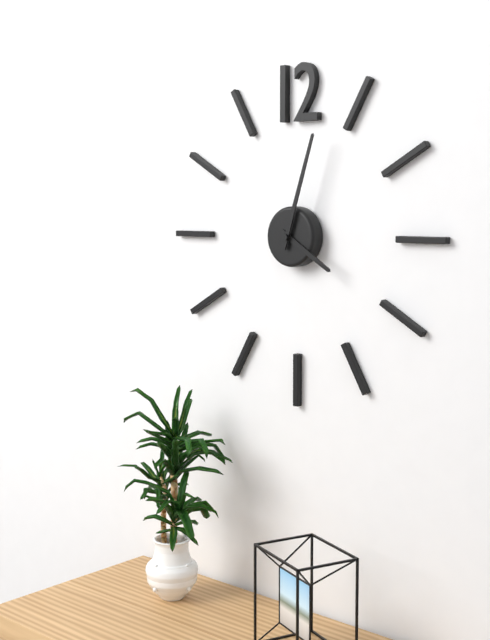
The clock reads **4:03**
